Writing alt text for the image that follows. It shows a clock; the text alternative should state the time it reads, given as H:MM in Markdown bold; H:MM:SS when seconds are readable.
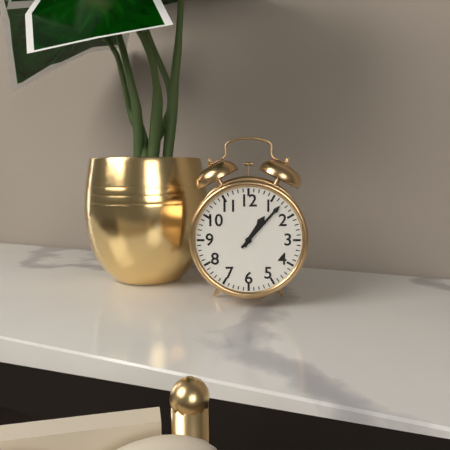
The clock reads **1:07**
